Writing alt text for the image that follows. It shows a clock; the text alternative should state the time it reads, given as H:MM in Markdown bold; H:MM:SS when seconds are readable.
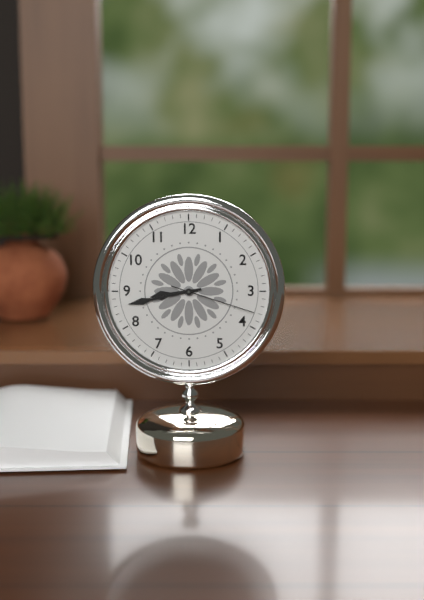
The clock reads **8:43:18**
